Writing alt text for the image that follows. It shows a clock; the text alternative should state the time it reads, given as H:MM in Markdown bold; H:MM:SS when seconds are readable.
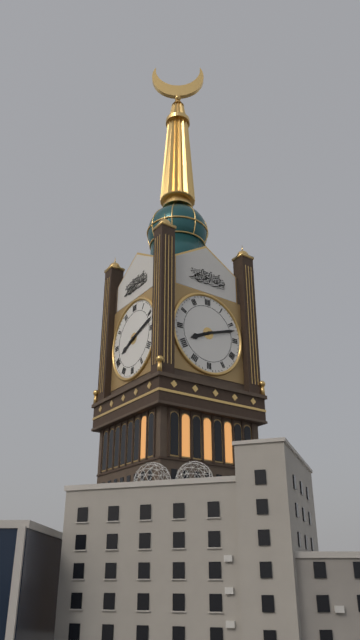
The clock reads **8:12**
